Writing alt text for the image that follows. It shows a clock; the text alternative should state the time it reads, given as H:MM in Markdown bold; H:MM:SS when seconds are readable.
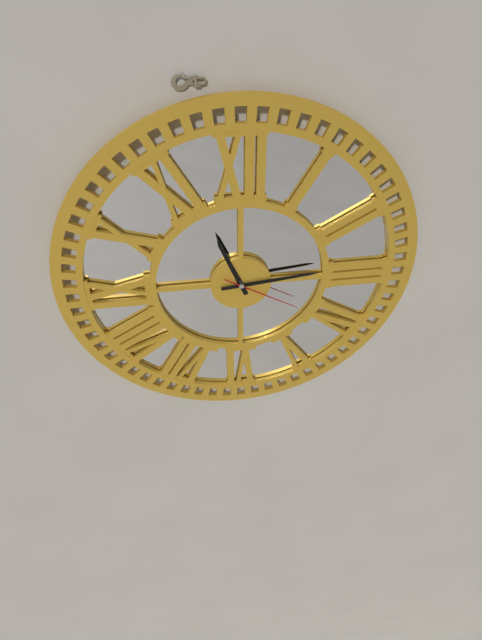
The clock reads **11:14:20**
